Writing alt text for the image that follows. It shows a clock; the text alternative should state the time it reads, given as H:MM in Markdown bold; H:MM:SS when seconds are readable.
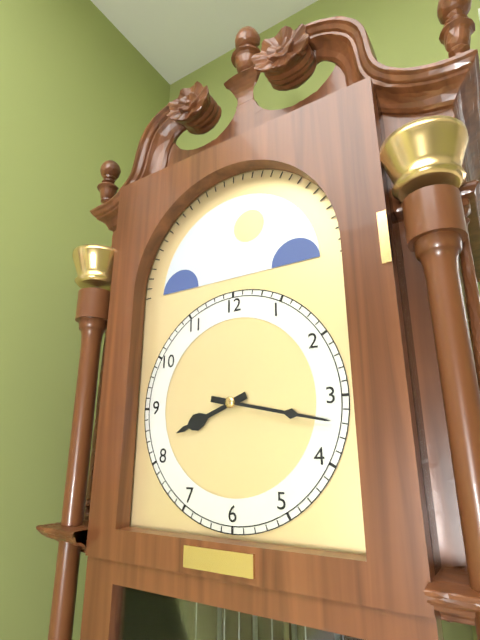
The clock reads **8:17**
